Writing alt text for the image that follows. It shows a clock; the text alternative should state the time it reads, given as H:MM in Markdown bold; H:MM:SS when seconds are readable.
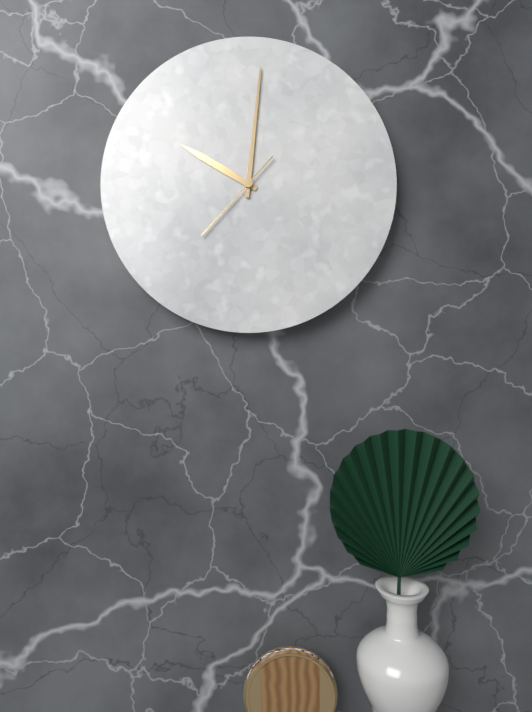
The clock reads **10:01:37**
